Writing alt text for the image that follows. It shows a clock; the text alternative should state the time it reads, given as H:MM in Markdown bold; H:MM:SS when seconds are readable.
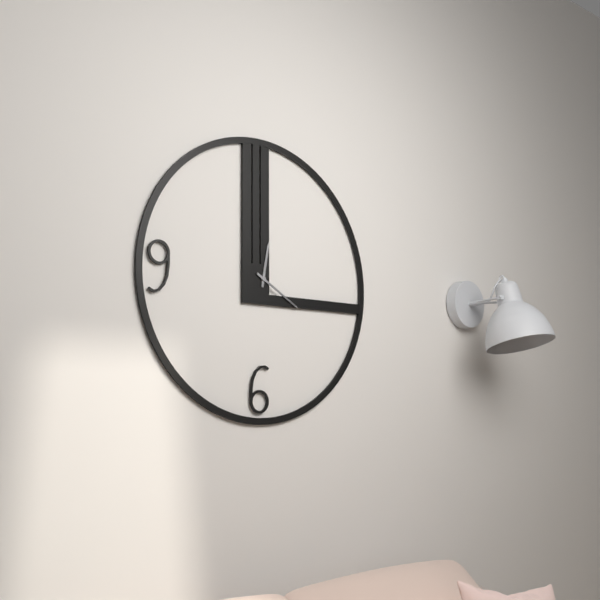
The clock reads **12:20**
